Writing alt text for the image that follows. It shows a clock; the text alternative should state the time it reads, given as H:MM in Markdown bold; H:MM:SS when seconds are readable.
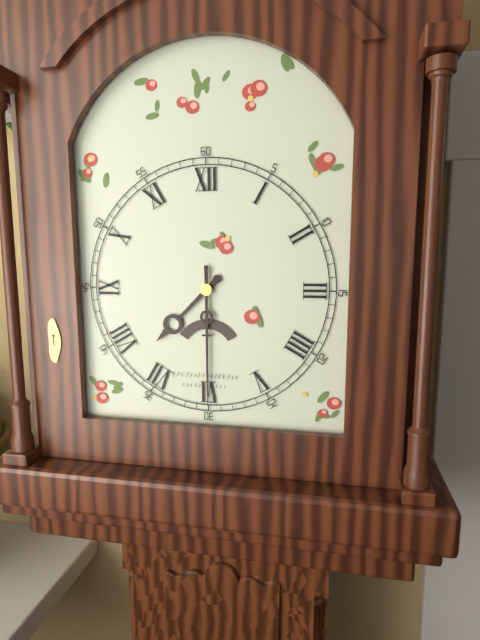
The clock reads **7:30**
